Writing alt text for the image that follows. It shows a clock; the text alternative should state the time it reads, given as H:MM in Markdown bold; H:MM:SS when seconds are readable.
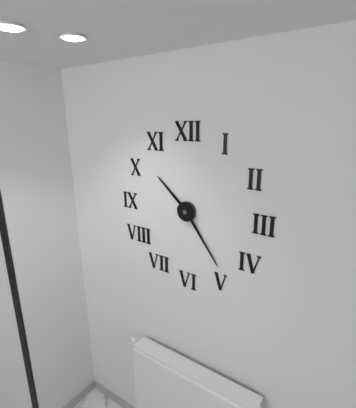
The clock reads **10:24**
